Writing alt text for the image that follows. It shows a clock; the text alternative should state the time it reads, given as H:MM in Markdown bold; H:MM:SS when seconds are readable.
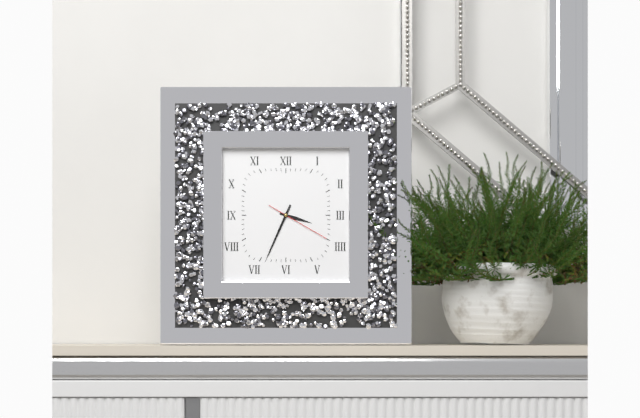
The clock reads **3:34:20**
